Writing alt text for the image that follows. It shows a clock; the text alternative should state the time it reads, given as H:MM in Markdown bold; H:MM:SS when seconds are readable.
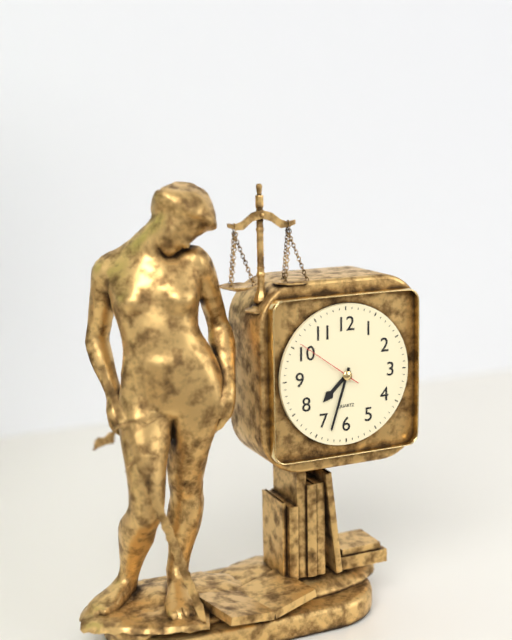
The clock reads **7:33:51**
